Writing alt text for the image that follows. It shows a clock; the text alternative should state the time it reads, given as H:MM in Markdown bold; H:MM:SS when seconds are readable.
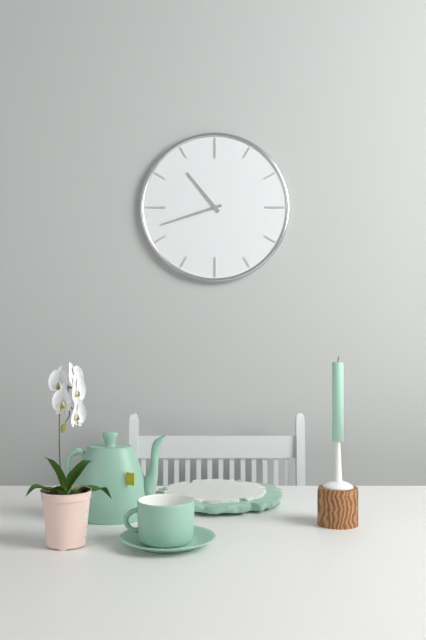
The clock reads **10:42**
